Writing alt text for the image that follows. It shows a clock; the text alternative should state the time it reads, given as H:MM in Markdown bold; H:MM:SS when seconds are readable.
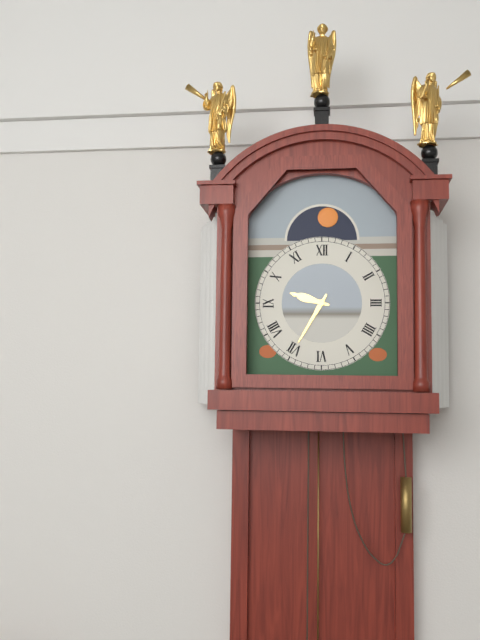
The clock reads **9:35**
